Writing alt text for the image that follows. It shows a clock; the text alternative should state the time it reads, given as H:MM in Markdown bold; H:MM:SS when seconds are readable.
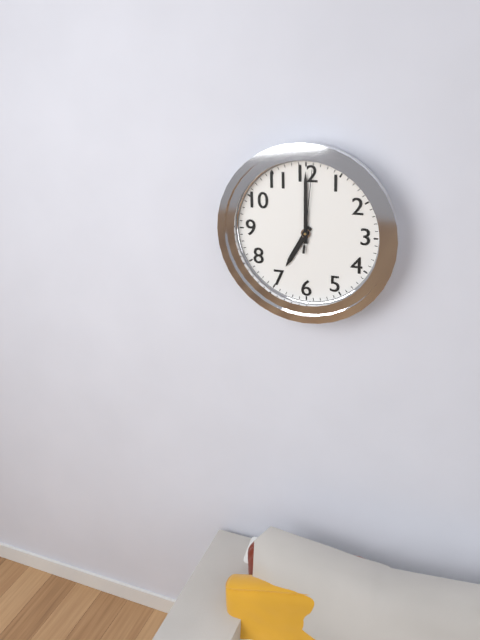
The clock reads **7:00:01**
